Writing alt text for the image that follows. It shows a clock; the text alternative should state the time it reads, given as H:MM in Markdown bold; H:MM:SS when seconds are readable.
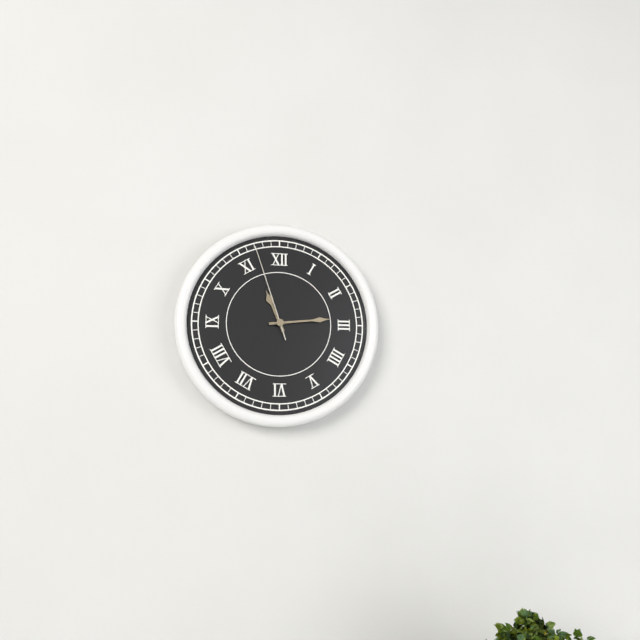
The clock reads **11:14:57**
